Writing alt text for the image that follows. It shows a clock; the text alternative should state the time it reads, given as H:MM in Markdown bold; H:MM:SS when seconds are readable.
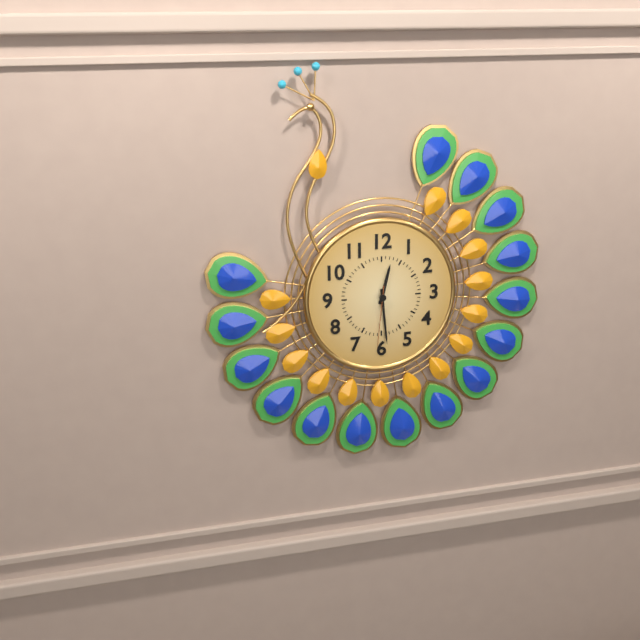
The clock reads **12:29:31**
